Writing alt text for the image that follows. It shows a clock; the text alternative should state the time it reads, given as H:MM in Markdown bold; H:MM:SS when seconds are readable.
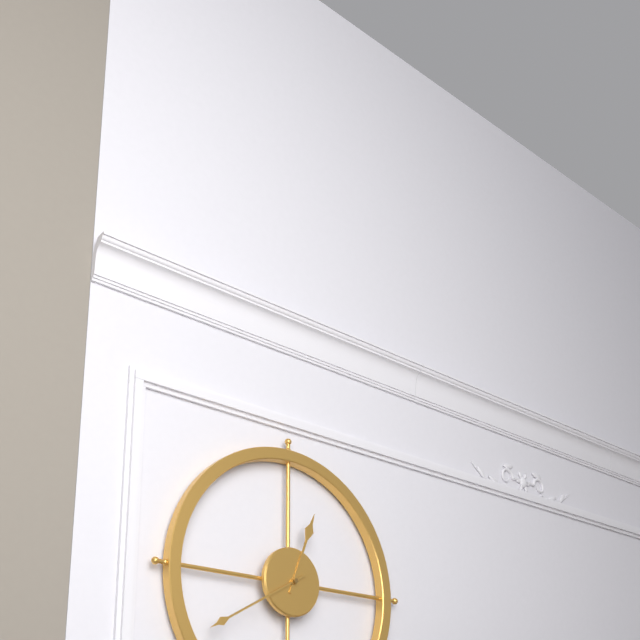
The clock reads **12:40**
